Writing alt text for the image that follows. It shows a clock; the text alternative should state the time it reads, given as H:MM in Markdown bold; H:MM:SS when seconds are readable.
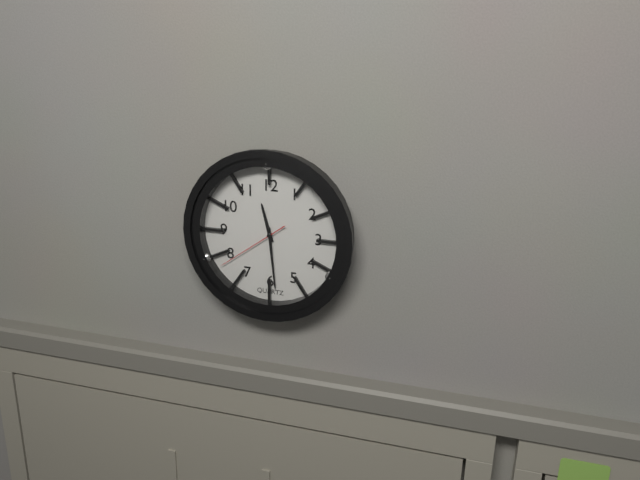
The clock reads **11:29:39**
